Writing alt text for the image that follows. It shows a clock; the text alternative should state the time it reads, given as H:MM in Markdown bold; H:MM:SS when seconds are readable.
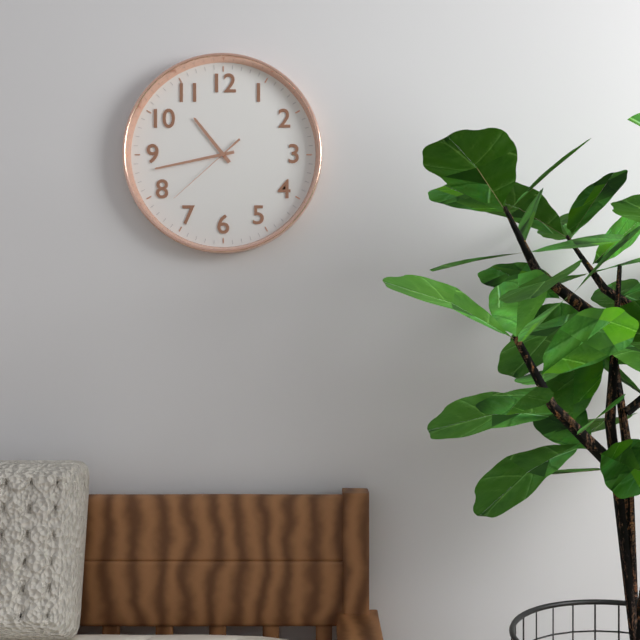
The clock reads **10:43:38**
